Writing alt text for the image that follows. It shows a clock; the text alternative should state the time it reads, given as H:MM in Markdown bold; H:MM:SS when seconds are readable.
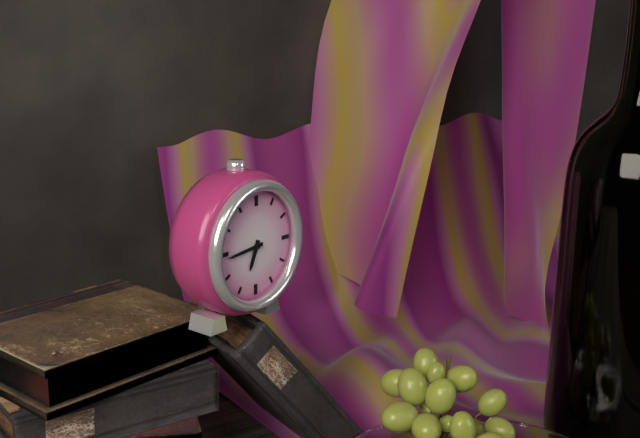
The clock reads **6:44**
